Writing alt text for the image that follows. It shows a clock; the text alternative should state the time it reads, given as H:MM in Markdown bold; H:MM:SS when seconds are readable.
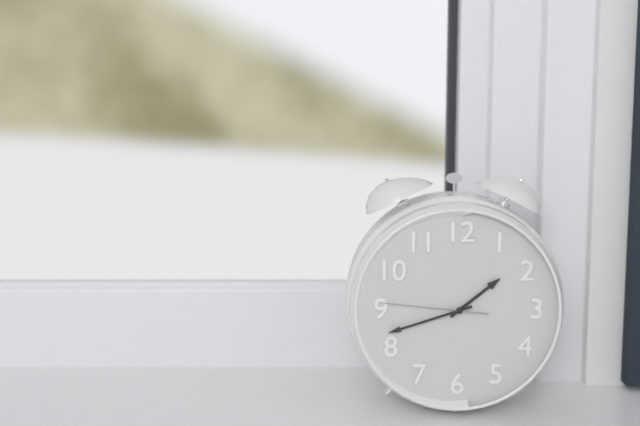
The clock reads **1:42:46**
